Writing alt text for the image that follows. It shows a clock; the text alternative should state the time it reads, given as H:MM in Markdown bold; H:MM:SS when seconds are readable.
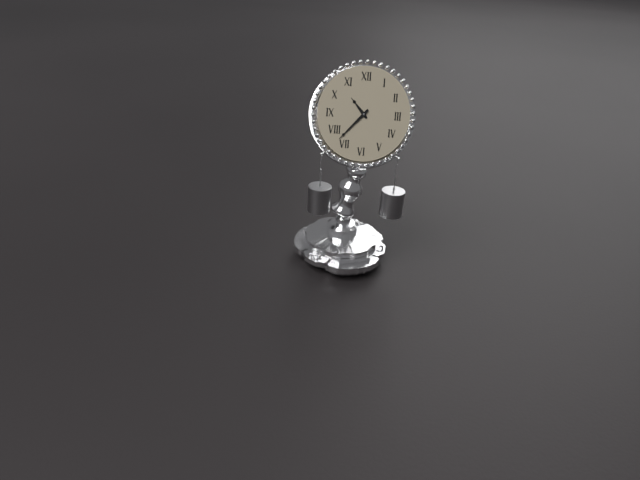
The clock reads **10:37**
